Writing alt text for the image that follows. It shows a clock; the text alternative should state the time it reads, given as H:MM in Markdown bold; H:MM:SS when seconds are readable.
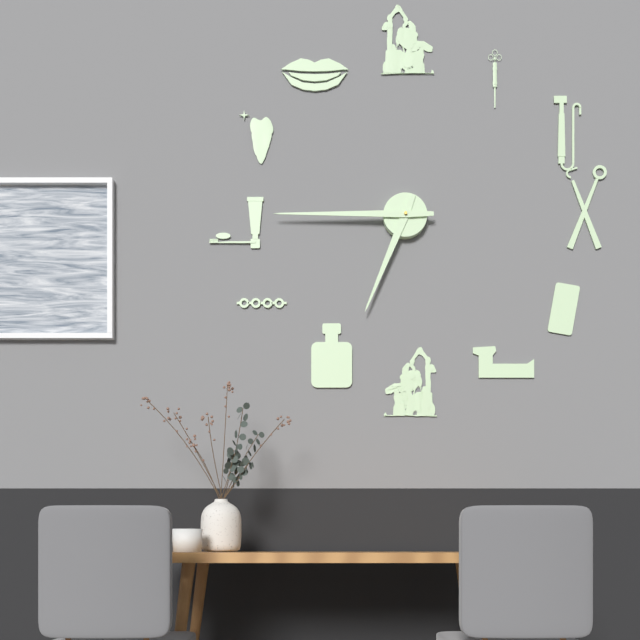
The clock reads **6:45**
